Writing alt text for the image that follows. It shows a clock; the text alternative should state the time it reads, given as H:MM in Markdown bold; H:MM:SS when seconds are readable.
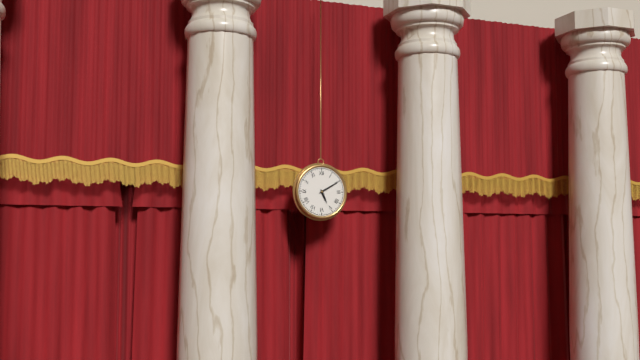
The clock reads **5:10**
